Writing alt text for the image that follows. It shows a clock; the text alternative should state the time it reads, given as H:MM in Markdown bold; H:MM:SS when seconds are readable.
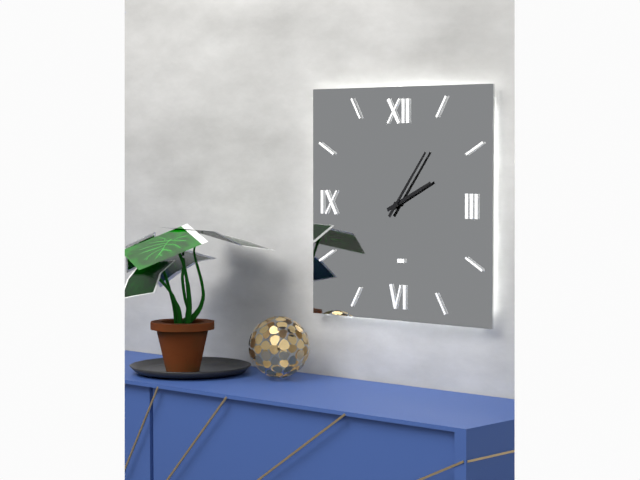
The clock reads **2:06**
